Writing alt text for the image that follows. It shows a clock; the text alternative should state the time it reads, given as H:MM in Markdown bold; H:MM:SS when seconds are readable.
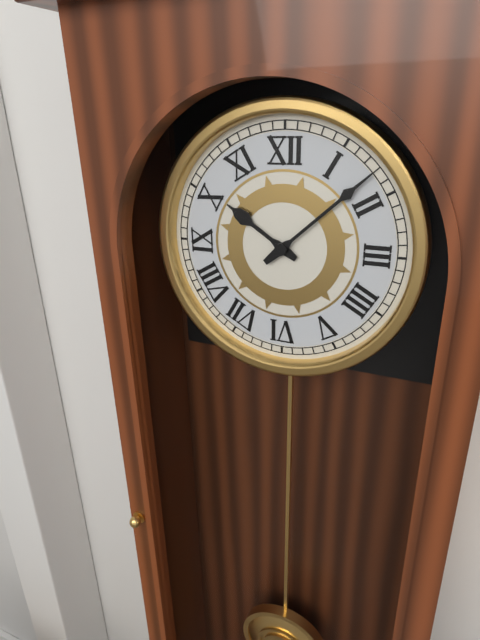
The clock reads **10:08**
